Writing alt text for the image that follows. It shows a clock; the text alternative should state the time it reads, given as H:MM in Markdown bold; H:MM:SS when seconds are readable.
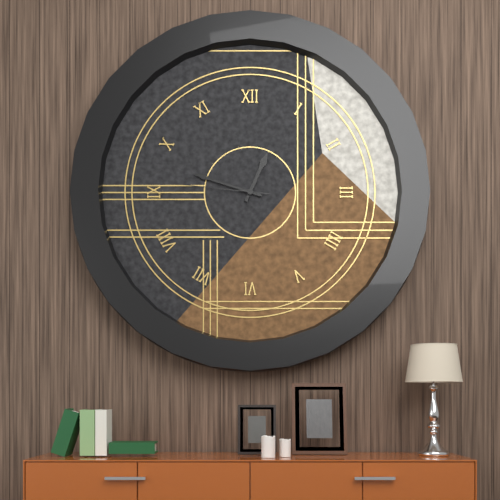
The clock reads **12:48:46**
